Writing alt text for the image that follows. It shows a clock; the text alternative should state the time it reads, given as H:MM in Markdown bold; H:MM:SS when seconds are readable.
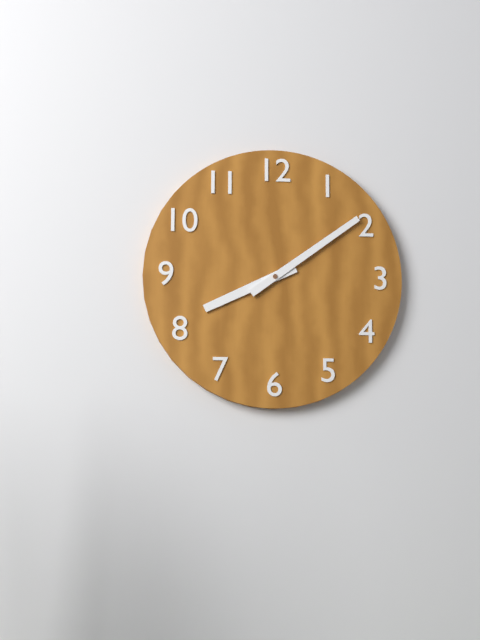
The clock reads **8:09**
